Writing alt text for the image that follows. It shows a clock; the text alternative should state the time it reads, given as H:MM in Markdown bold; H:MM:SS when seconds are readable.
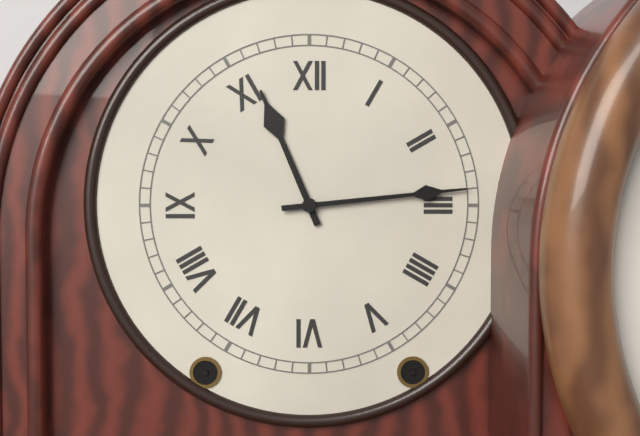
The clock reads **11:14**
